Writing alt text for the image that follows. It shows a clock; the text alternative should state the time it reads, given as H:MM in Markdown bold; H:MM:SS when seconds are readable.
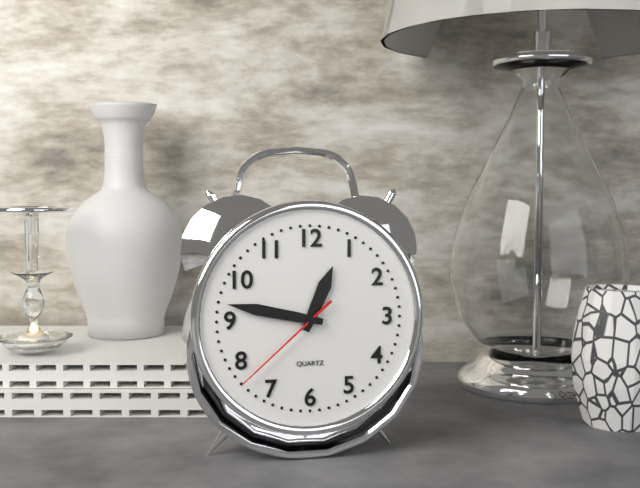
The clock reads **12:47:38**
